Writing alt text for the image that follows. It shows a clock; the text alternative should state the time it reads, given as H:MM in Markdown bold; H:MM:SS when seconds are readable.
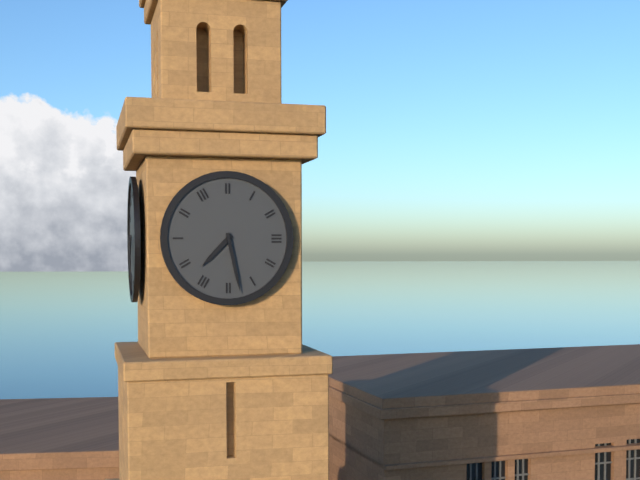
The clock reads **7:28**
